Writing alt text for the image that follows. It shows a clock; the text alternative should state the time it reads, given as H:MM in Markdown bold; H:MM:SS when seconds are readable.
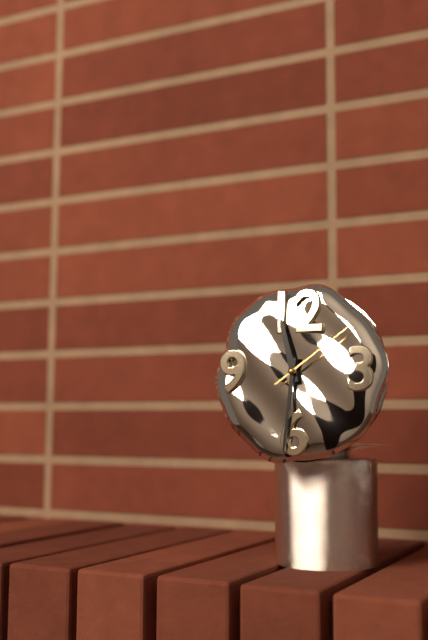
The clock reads **11:31:09**
